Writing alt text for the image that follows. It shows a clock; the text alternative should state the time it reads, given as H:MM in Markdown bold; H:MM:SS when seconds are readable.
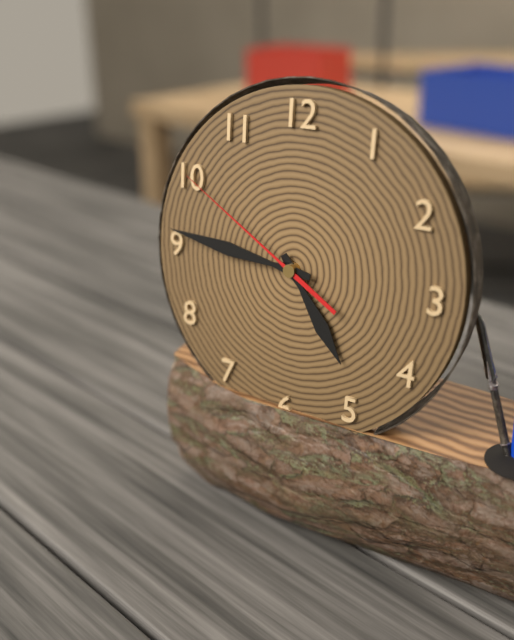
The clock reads **4:46:50**
